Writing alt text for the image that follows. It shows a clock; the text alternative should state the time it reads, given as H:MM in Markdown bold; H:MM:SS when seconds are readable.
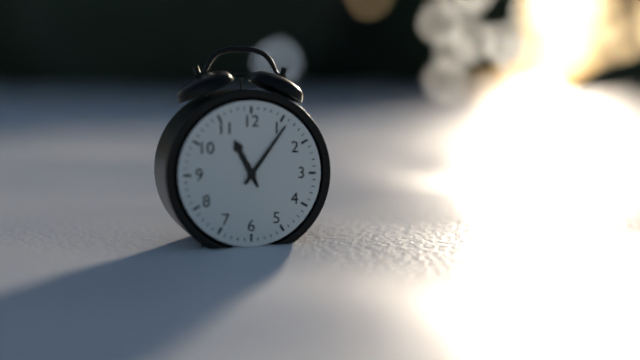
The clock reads **11:06**
